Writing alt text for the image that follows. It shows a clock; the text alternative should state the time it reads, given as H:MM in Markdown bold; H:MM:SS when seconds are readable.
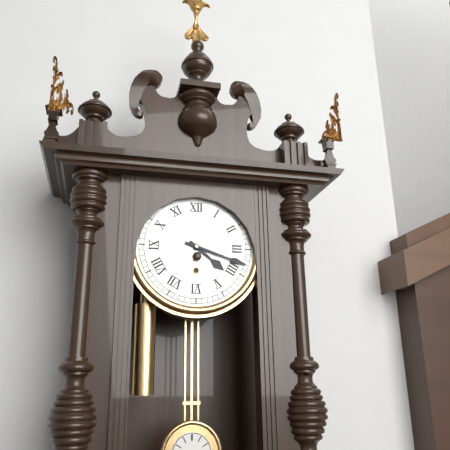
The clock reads **4:18**
